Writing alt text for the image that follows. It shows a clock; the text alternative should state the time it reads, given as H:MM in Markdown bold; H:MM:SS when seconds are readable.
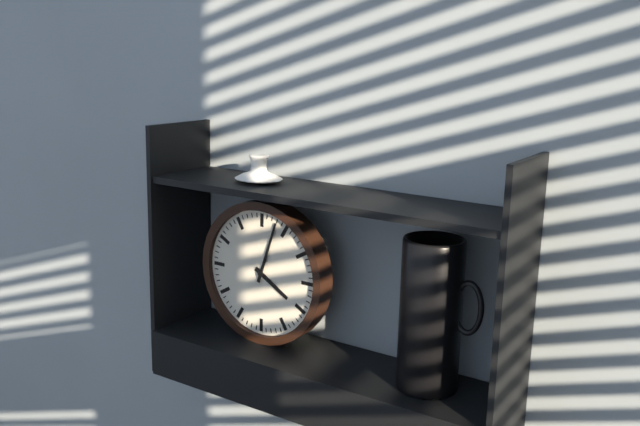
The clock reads **4:03**
